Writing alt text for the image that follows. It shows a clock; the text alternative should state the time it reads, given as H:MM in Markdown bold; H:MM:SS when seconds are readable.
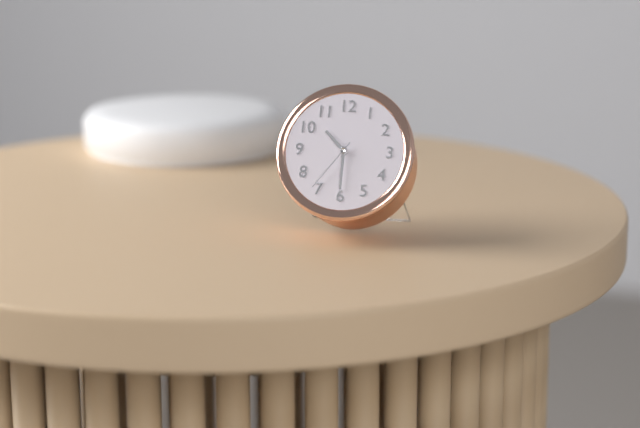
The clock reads **10:30:36**
